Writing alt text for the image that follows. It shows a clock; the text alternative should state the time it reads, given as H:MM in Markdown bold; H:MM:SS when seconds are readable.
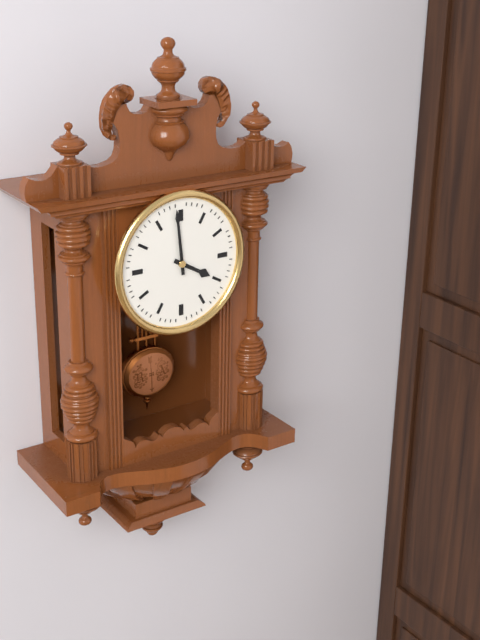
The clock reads **3:59**
